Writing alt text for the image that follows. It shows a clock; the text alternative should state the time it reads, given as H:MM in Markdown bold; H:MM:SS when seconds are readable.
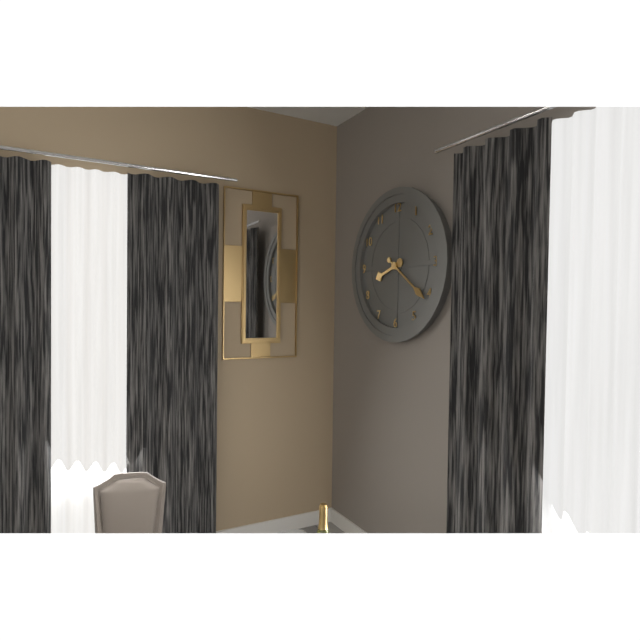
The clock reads **8:21**
